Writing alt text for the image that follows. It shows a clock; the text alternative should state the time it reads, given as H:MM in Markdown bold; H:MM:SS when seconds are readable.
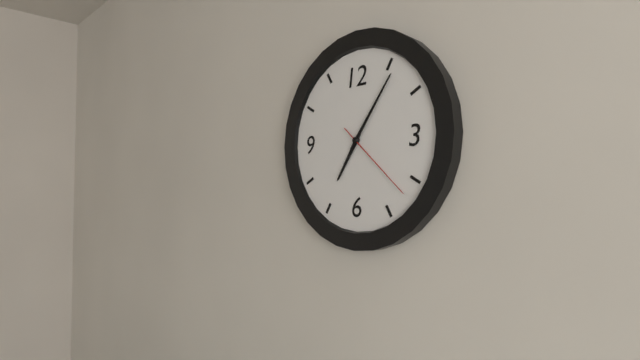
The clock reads **7:06:22**
